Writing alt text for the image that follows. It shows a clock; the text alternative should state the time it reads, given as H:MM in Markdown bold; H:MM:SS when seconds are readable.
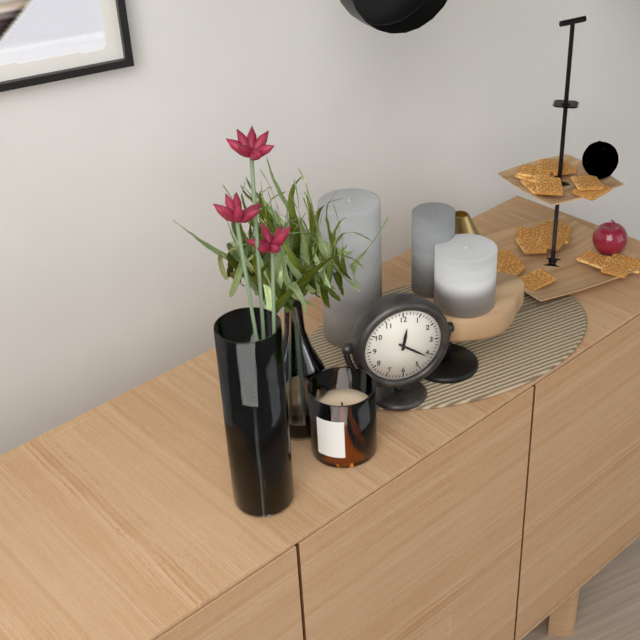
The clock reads **12:21**
